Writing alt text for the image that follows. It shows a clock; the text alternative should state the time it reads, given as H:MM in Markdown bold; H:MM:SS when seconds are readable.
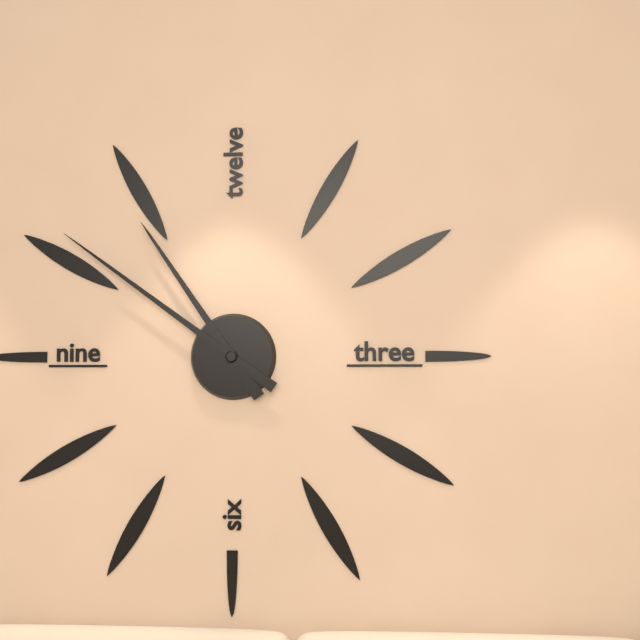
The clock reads **10:51**
